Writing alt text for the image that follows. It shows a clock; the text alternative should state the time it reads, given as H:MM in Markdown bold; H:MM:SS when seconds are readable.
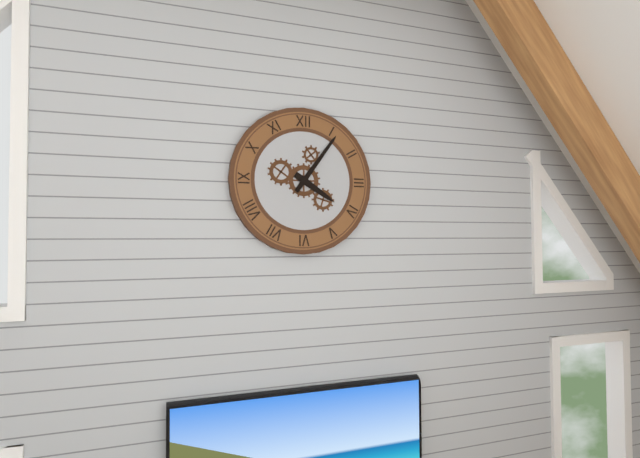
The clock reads **4:06**
